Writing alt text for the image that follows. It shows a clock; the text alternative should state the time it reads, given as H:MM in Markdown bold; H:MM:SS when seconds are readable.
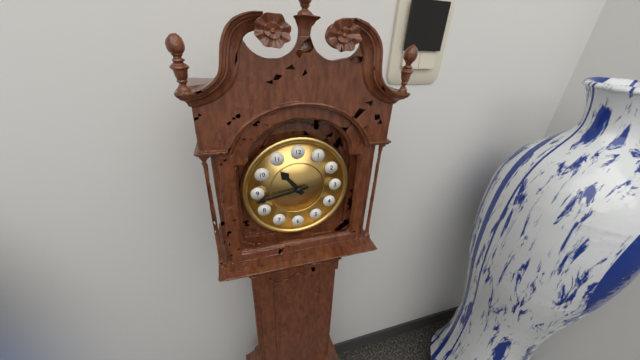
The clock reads **10:43**
